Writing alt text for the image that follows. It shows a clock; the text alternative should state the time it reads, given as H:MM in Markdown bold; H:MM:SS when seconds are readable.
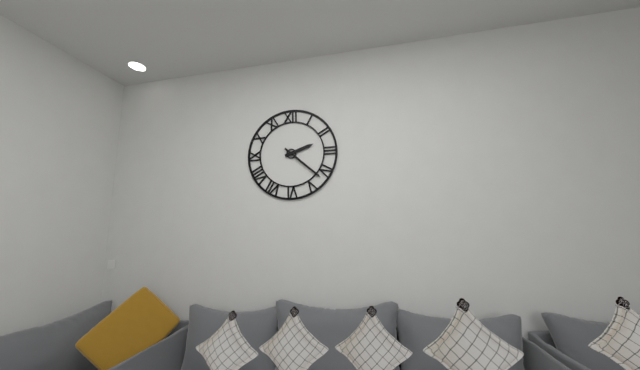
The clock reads **2:22**
